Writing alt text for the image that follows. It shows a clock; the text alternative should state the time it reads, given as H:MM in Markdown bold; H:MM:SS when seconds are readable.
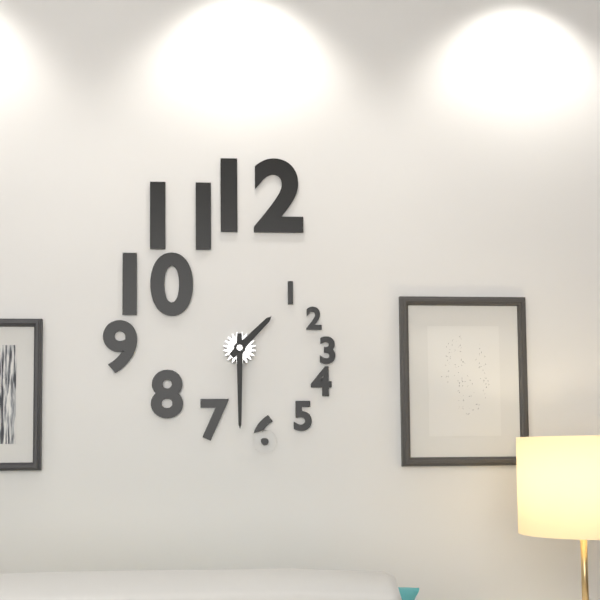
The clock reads **1:30**
